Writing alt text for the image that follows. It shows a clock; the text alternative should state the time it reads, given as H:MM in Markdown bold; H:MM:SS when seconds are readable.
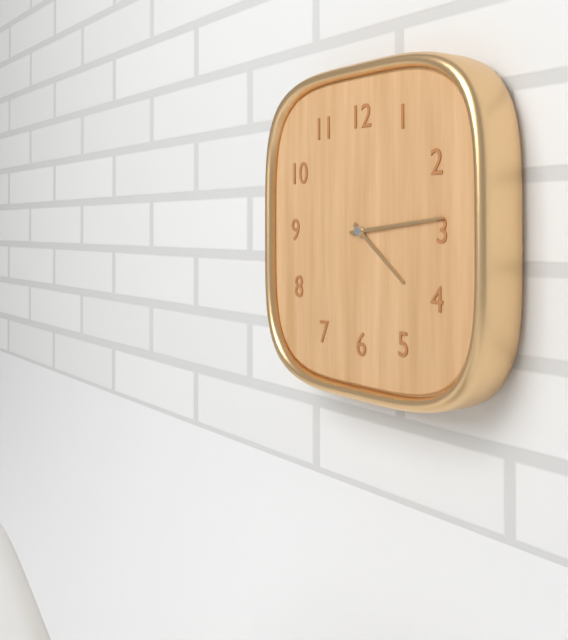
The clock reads **4:14**
